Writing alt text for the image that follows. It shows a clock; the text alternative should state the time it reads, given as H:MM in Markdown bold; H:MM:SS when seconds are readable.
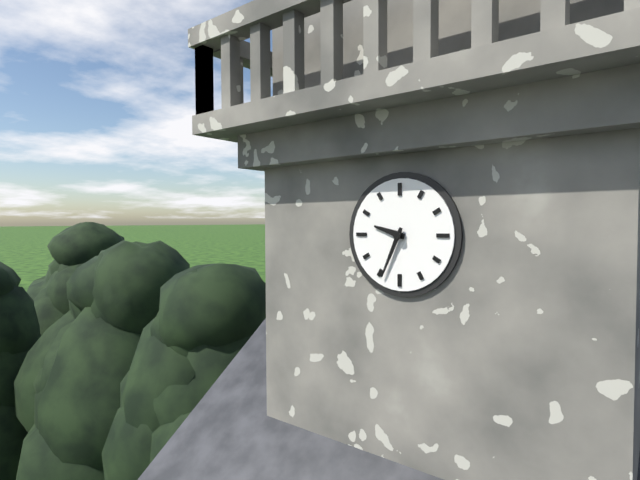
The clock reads **9:34**
